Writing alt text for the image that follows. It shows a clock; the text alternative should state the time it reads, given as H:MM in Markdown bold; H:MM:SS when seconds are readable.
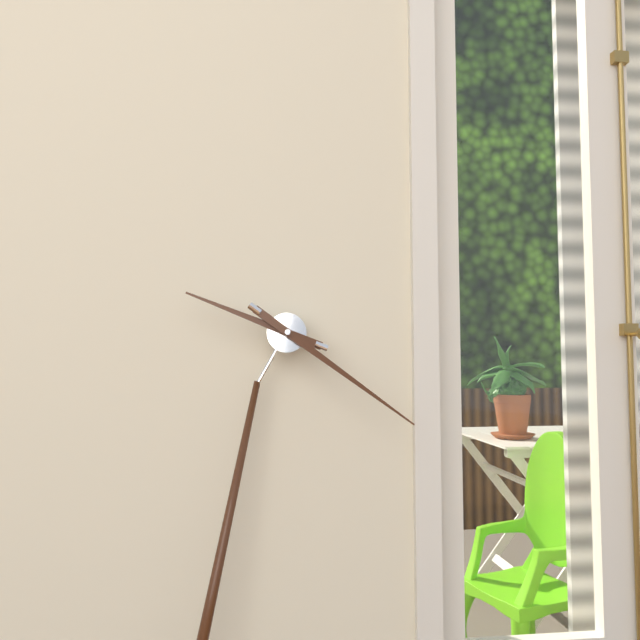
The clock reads **9:19**
